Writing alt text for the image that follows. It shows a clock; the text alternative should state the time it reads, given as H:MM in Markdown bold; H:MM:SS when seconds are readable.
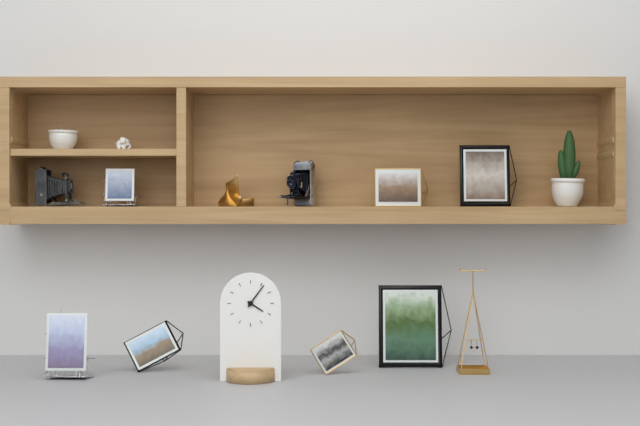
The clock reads **4:06**
